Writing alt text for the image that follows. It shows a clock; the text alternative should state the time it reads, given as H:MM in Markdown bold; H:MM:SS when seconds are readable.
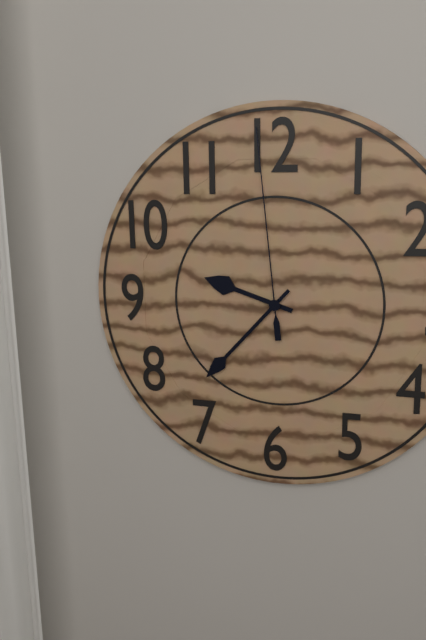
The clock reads **9:37:59**
